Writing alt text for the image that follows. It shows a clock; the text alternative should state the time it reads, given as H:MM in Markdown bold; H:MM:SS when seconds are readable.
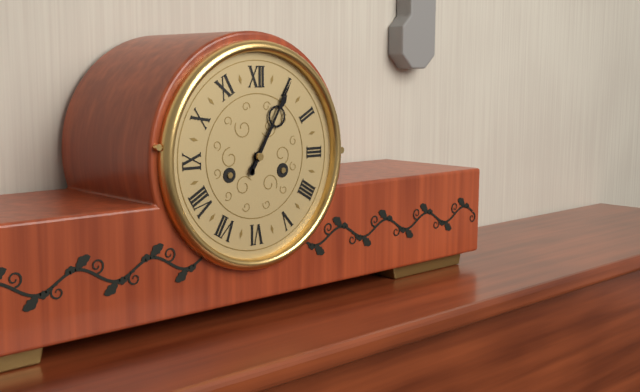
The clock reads **1:05**
